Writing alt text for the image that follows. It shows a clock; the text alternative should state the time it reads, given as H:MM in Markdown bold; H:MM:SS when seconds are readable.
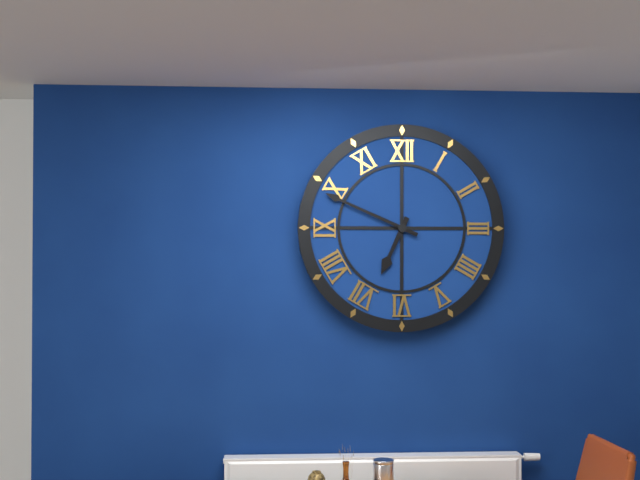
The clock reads **6:49**
